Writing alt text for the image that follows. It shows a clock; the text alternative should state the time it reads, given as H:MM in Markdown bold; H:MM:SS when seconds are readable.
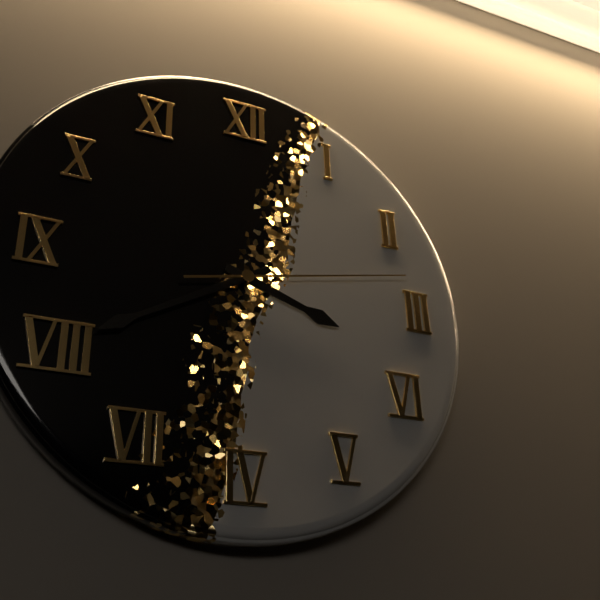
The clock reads **3:40:13**
